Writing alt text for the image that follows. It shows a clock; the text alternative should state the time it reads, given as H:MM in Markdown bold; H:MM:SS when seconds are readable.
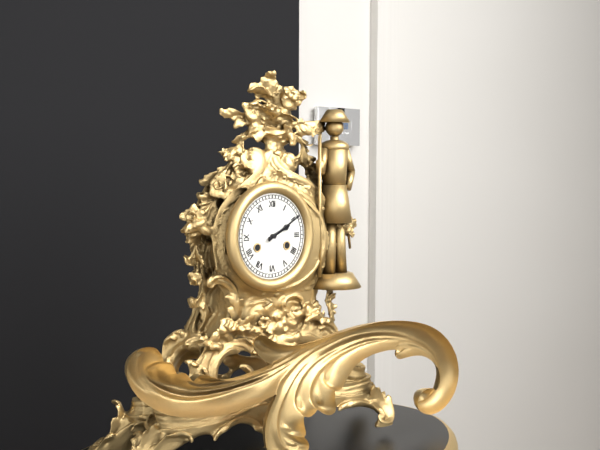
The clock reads **2:10**
